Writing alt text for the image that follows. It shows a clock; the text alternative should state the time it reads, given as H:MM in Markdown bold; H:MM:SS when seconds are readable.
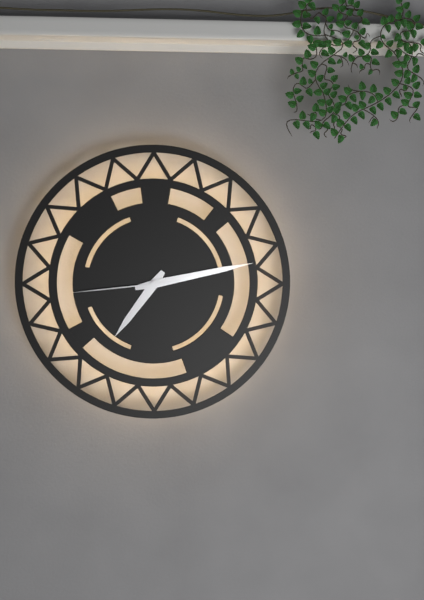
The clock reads **7:13:44**
